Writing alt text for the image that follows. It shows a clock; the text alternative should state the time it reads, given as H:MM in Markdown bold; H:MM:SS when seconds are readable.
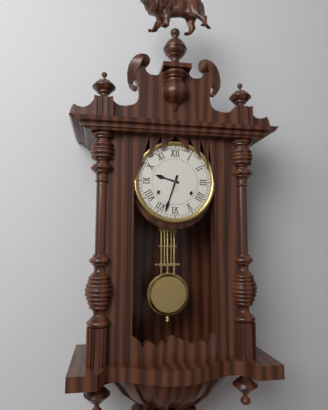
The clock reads **9:33**
